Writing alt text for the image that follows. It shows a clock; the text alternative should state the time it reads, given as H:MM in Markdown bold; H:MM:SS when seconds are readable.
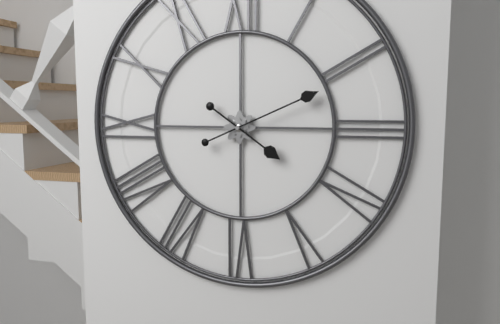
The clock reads **4:11**
